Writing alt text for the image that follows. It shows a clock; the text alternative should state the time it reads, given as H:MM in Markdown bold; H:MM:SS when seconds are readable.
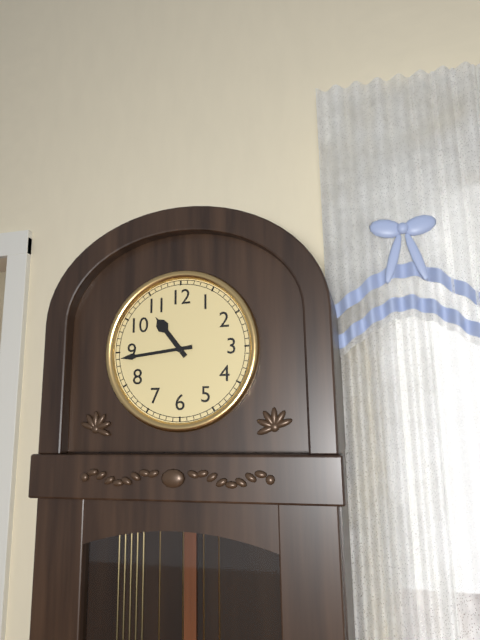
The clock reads **10:44**
